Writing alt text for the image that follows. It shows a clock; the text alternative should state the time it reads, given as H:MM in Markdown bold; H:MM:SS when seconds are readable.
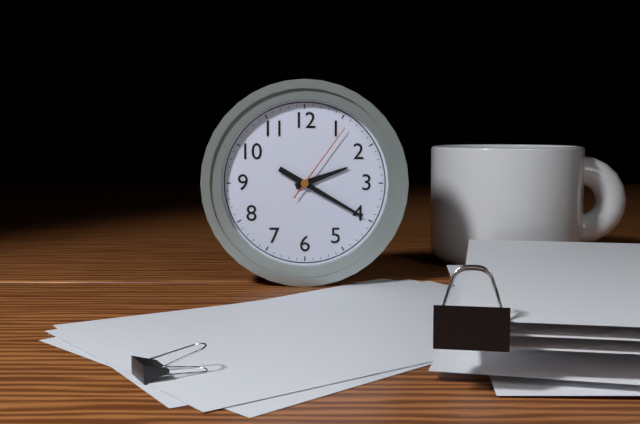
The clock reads **2:20:06**
